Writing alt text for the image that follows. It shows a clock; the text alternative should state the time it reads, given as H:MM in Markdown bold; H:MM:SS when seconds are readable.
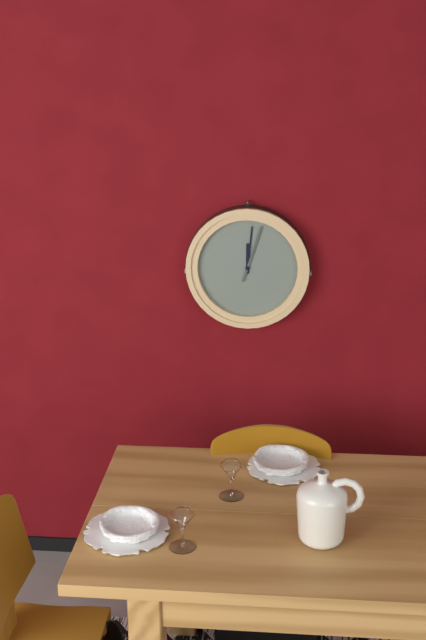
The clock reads **12:01:03**
